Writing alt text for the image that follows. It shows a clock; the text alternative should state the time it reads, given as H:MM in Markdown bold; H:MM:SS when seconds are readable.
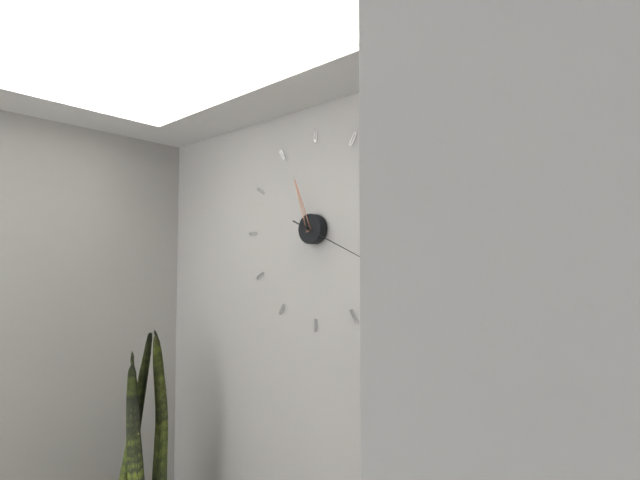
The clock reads **11:19**
